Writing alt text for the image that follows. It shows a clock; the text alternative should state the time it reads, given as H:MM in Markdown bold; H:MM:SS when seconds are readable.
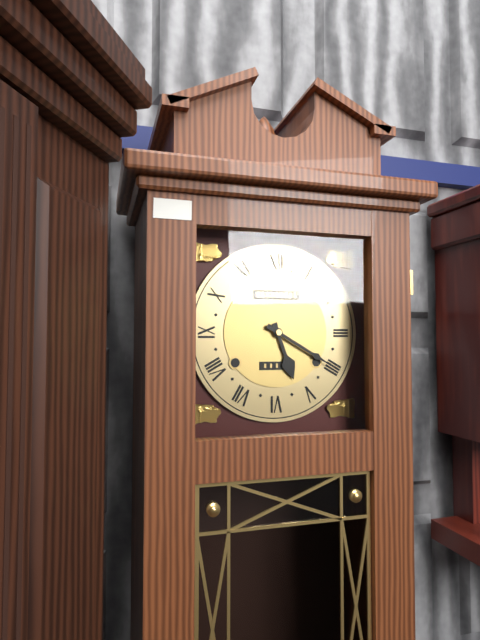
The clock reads **5:20**
